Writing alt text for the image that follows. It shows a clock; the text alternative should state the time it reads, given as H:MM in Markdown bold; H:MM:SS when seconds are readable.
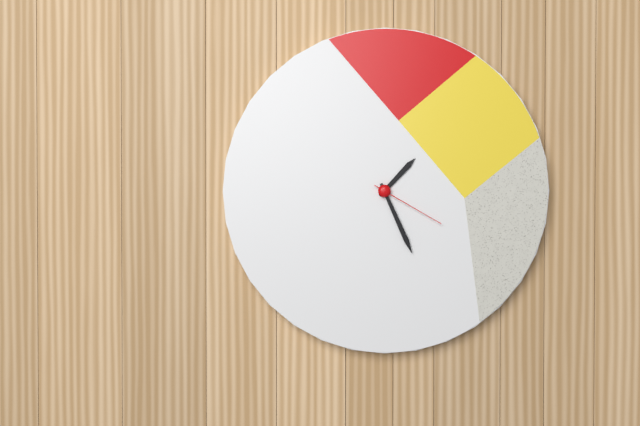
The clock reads **1:26:20**
